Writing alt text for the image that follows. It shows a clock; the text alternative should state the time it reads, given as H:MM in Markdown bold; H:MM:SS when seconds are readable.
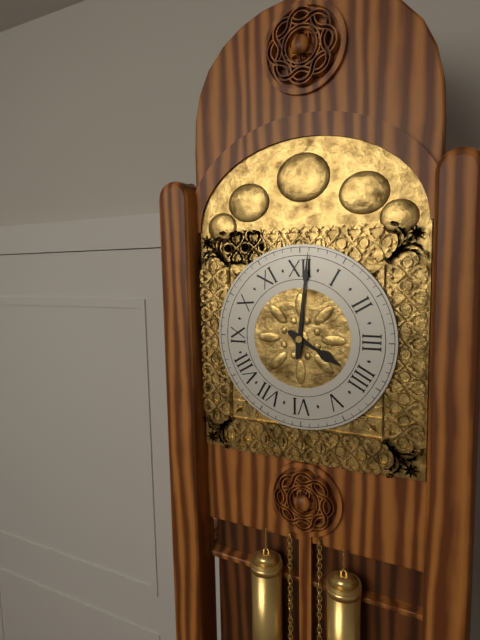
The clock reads **4:01**
